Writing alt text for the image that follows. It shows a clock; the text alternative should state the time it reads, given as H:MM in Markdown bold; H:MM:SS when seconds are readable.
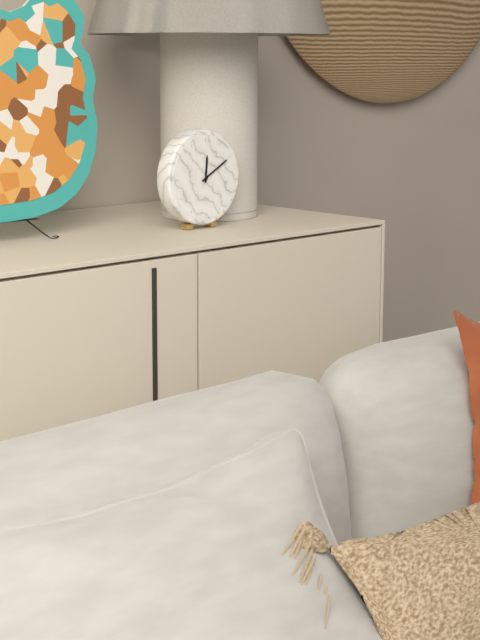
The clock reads **12:10**
